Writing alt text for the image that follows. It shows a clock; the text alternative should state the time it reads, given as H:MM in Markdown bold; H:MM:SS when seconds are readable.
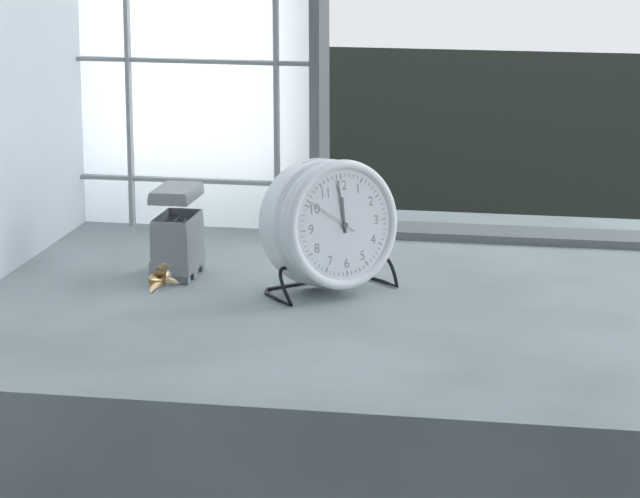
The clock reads **11:59:51**
